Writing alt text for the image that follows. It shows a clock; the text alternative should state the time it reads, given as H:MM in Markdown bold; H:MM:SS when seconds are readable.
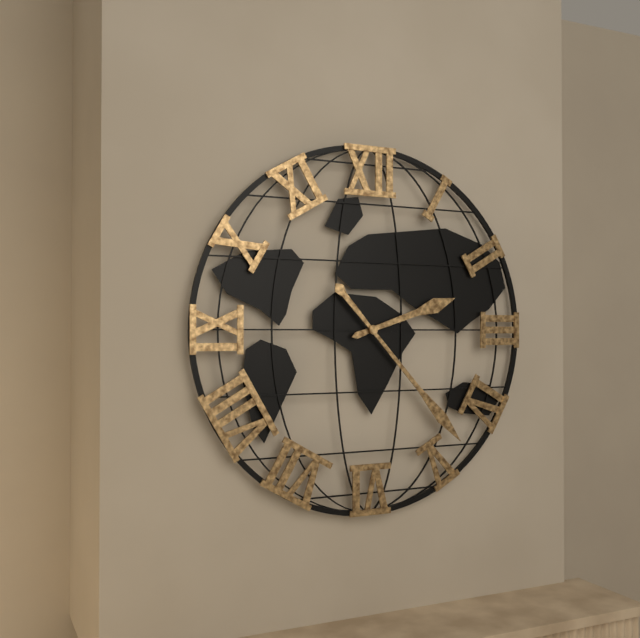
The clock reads **2:23**
